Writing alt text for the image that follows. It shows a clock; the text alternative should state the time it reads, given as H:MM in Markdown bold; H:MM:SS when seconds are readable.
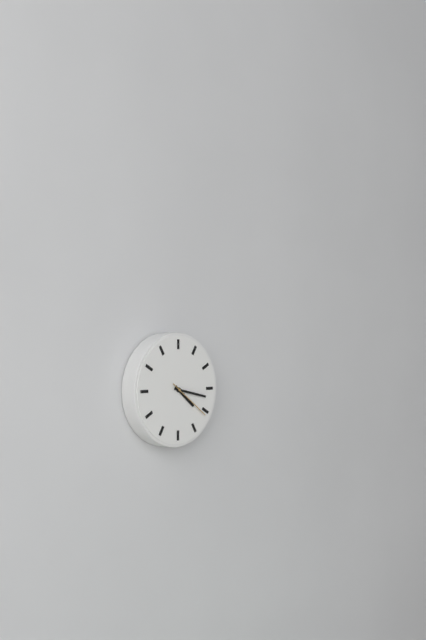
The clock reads **4:17**
